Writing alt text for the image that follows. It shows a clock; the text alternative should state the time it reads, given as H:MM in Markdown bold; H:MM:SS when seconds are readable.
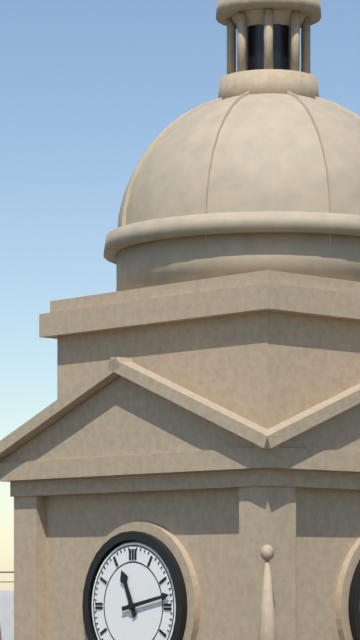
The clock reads **11:13**
